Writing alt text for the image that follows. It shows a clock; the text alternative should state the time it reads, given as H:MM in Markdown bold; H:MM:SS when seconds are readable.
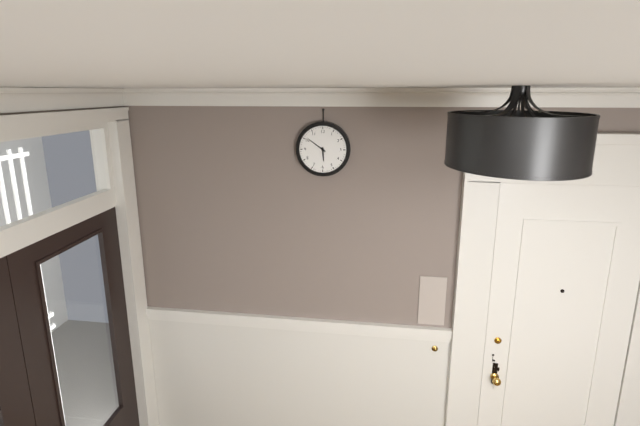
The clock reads **5:51**
